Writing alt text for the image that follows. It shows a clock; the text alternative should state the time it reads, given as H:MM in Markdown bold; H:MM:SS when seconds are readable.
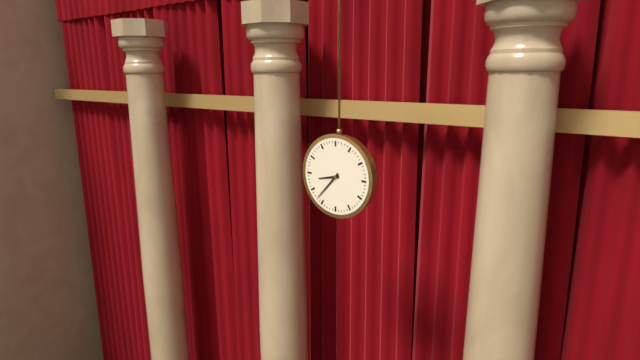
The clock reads **8:37**
